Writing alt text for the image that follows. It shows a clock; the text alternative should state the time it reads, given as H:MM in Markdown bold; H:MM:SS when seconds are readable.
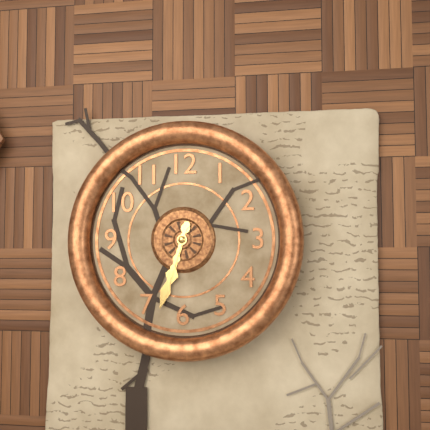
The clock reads **6:33**
